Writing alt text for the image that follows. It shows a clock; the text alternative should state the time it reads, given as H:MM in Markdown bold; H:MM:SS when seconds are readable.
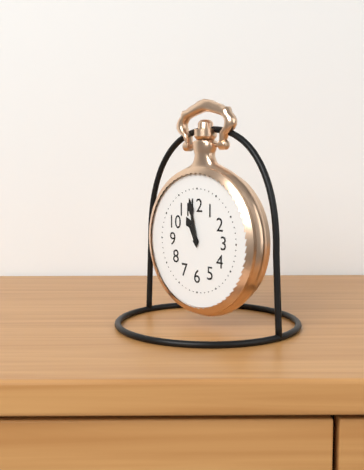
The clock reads **10:58**
